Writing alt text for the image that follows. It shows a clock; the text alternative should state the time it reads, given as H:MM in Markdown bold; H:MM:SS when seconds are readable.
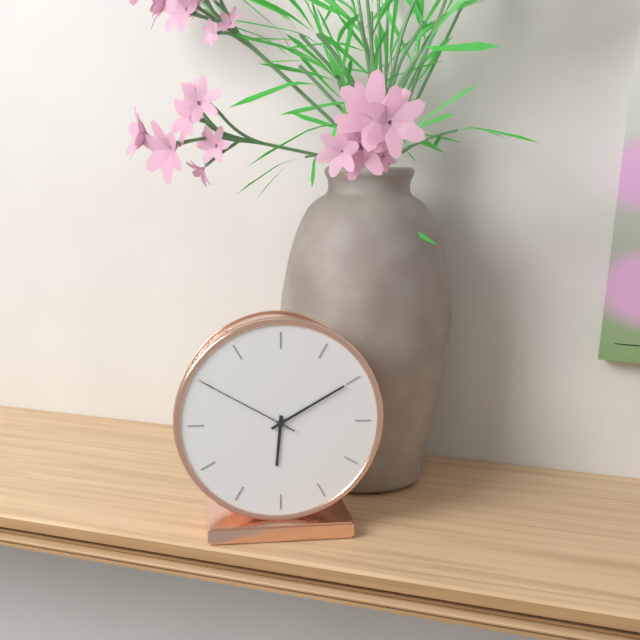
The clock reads **6:10:50**
